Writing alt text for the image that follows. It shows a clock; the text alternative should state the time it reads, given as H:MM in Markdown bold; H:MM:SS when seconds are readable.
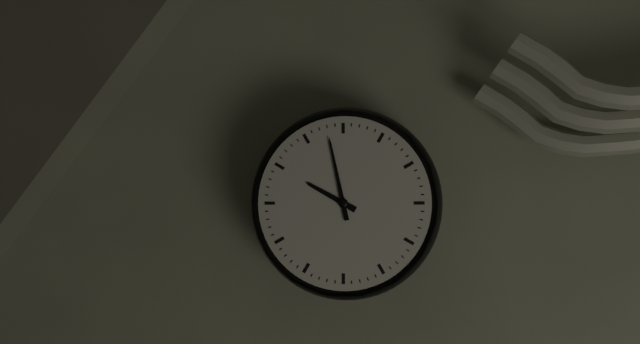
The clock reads **9:58**
